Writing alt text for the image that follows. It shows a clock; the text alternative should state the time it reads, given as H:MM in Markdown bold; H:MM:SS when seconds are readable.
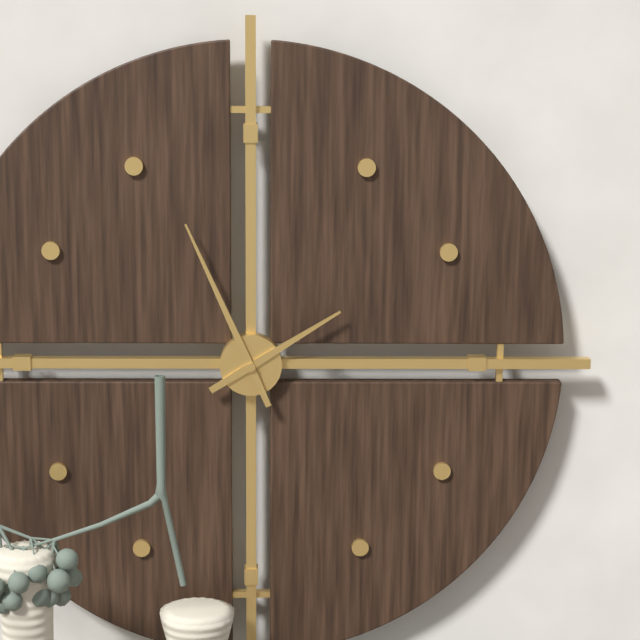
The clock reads **1:56**
